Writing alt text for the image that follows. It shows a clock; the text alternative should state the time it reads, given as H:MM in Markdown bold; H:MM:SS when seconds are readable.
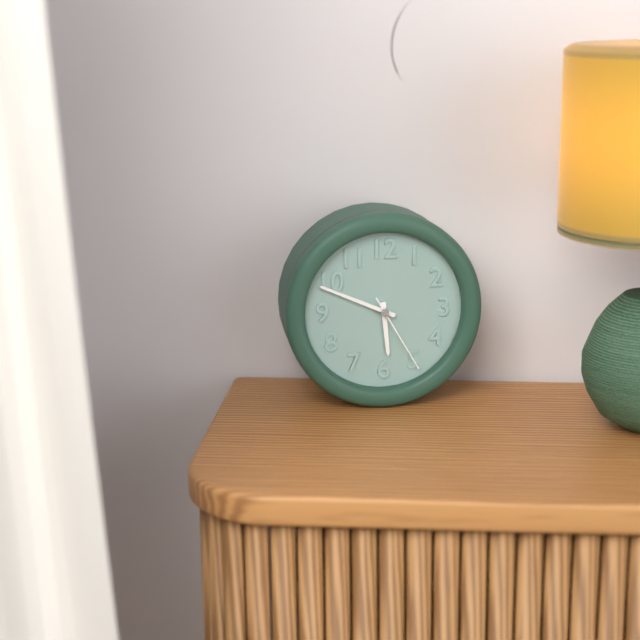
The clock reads **5:49:25**
